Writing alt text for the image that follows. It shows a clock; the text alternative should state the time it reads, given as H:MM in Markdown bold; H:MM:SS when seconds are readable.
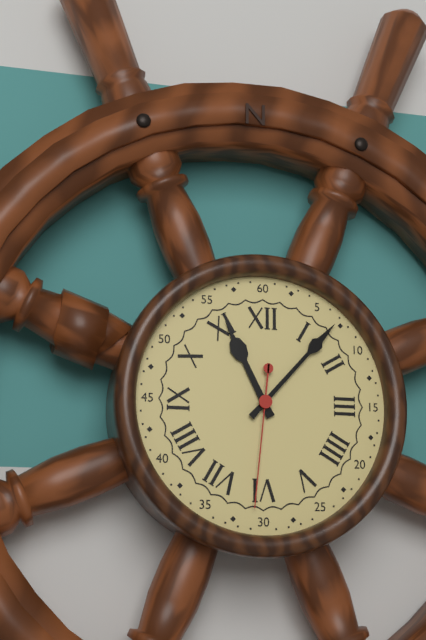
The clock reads **11:07:31**
